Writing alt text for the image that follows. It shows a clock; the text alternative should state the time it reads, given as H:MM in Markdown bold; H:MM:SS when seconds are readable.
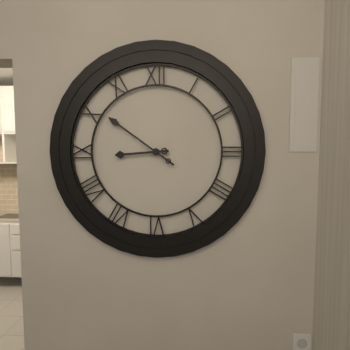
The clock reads **8:51**
